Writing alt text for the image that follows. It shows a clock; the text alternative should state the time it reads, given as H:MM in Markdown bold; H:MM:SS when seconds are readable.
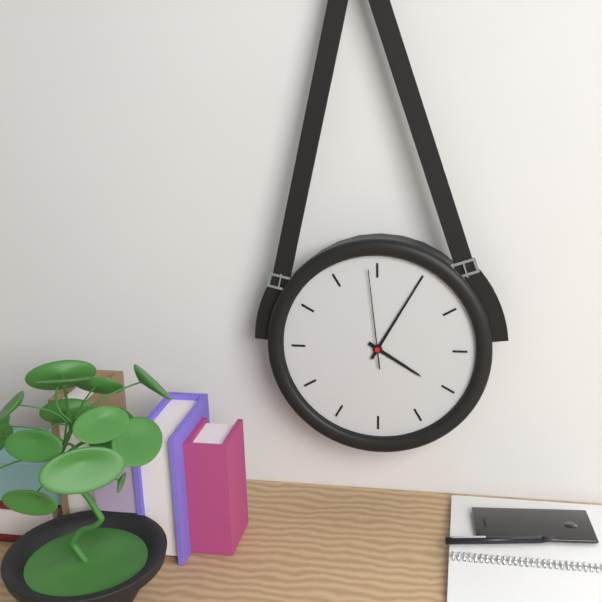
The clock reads **4:05:59**
